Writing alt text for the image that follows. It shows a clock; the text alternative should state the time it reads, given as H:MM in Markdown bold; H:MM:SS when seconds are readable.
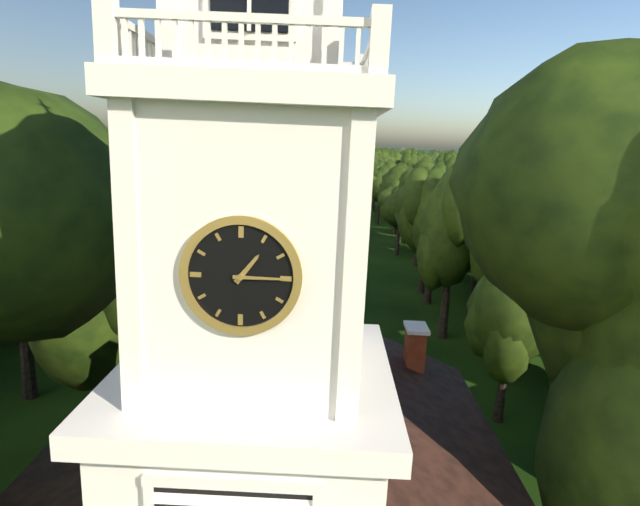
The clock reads **1:15**
